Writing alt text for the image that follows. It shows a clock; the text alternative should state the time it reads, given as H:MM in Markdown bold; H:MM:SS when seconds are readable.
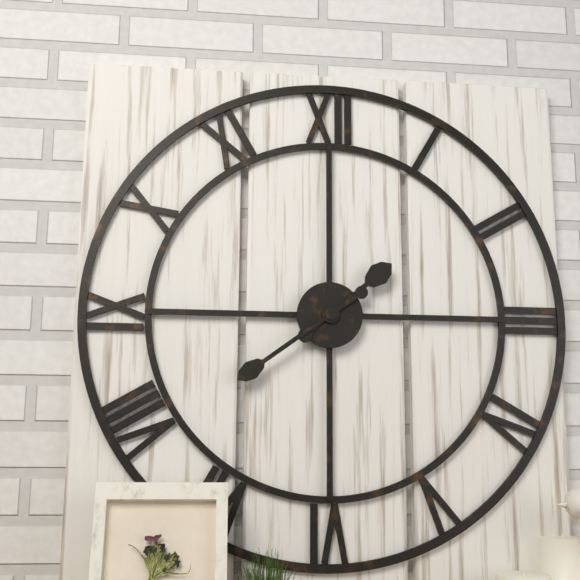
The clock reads **1:39**
